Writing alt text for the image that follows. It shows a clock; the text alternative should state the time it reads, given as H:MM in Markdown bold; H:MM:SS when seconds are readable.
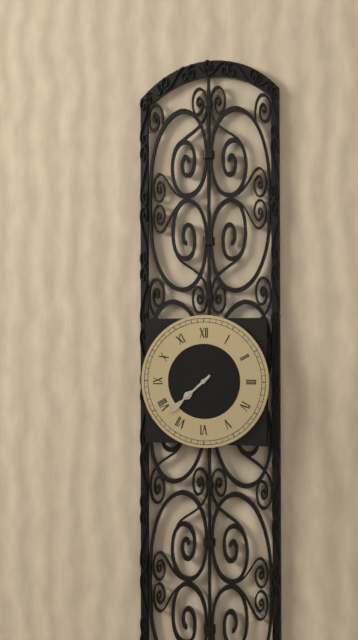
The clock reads **7:38**
